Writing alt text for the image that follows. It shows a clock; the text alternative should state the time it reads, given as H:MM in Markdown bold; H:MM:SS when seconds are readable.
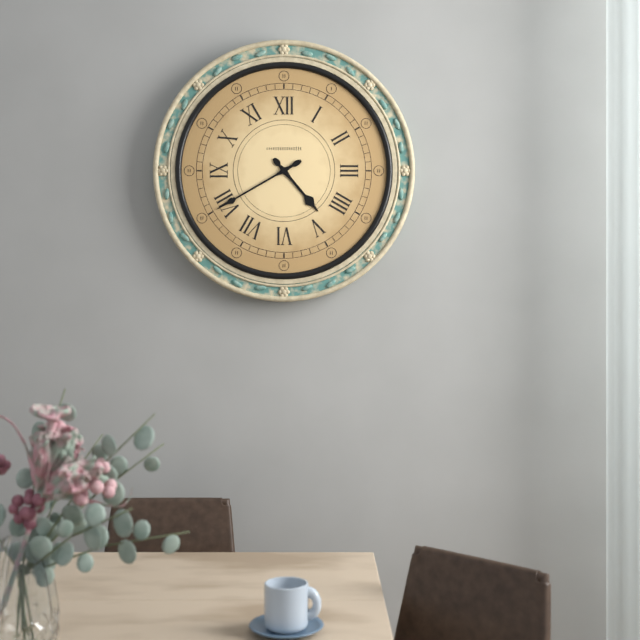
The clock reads **4:40**
